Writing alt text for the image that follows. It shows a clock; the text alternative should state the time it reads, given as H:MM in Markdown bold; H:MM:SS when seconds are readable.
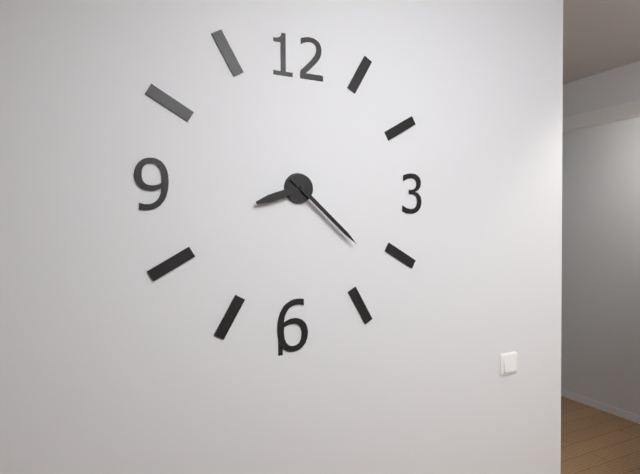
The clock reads **8:22**
